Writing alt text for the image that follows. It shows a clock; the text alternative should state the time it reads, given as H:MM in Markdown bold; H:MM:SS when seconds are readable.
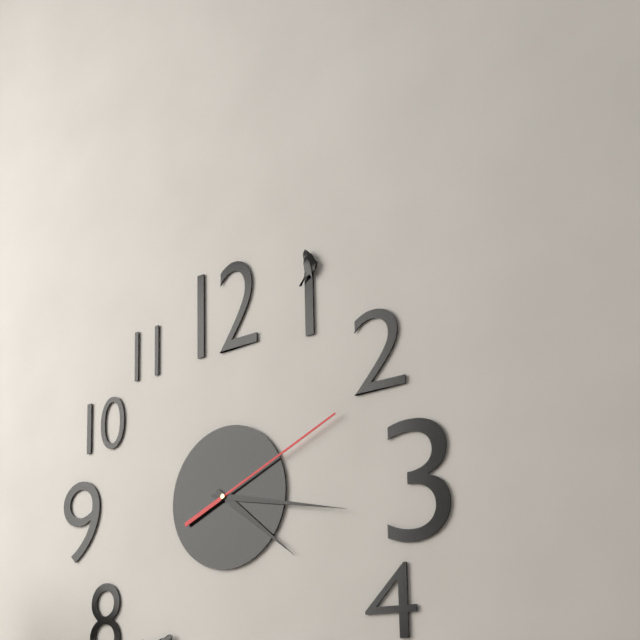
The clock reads **4:17:11**
